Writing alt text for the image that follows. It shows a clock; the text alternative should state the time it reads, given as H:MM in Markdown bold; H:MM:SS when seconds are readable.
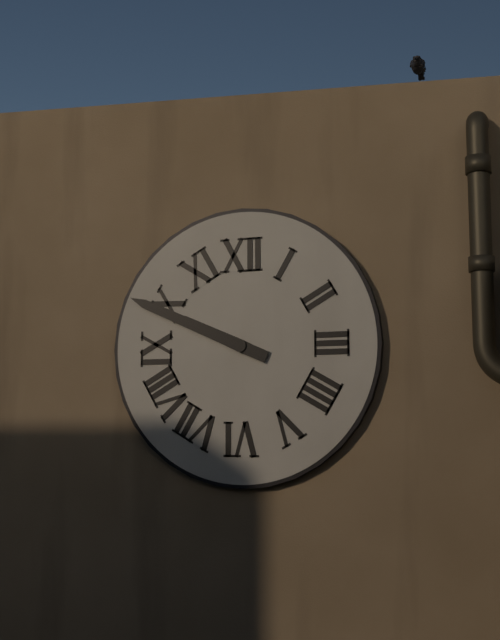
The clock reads **9:49**
